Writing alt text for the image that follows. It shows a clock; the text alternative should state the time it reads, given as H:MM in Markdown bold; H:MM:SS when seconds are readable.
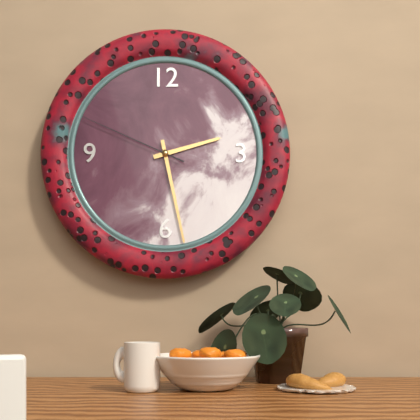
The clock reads **2:28:49**
